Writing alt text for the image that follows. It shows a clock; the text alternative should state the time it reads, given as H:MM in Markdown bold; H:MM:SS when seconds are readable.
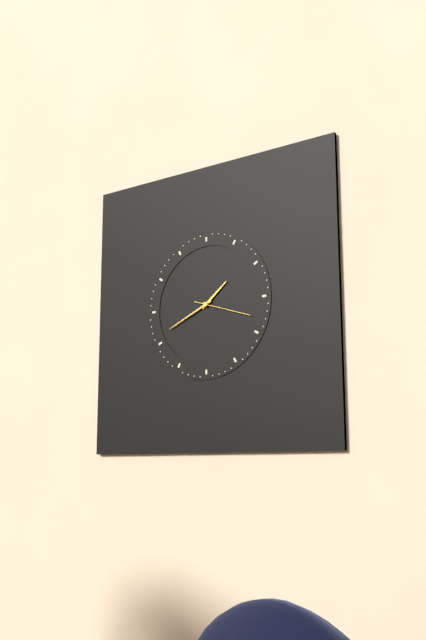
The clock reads **1:41:18**
